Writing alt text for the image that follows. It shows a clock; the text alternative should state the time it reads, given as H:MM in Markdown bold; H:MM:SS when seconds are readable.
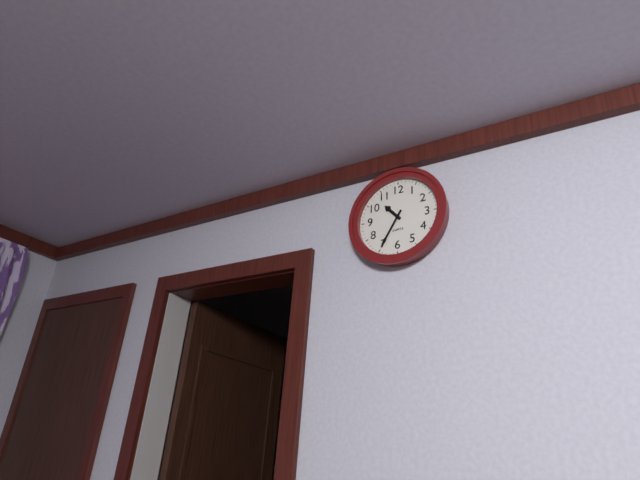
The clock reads **10:35**
